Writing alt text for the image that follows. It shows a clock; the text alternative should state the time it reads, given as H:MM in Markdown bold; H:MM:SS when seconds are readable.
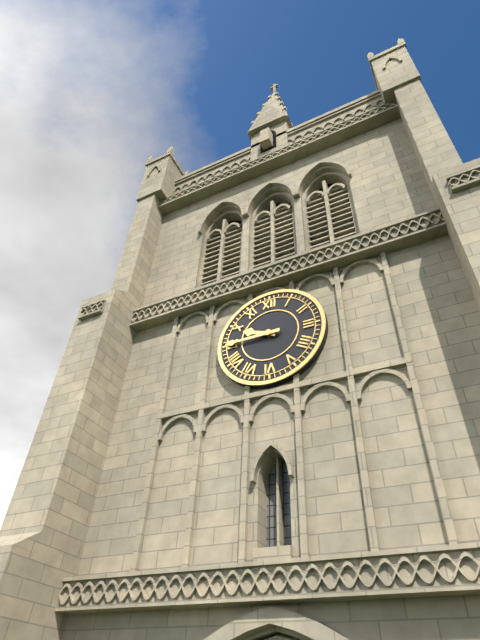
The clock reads **9:45**
